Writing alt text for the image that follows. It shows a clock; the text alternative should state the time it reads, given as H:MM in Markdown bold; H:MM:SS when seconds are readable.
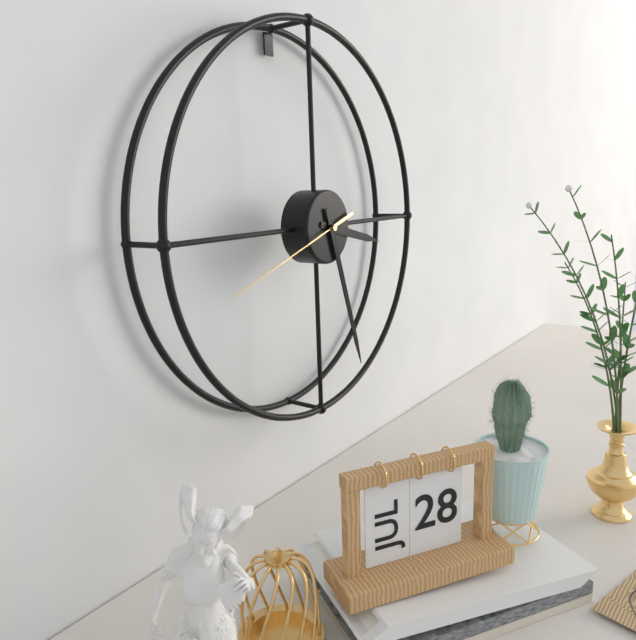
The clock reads **3:27:42**
